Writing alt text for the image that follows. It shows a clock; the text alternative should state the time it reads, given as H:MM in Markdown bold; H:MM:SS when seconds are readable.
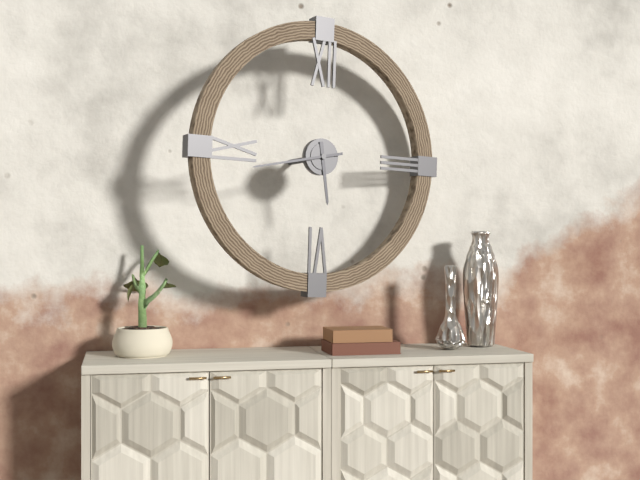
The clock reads **5:43**
